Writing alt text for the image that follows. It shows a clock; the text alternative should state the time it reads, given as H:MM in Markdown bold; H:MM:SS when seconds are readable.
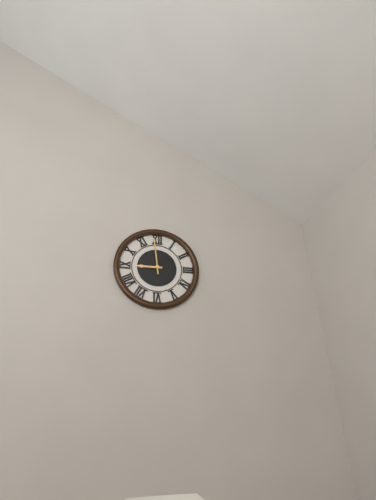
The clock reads **8:59**
